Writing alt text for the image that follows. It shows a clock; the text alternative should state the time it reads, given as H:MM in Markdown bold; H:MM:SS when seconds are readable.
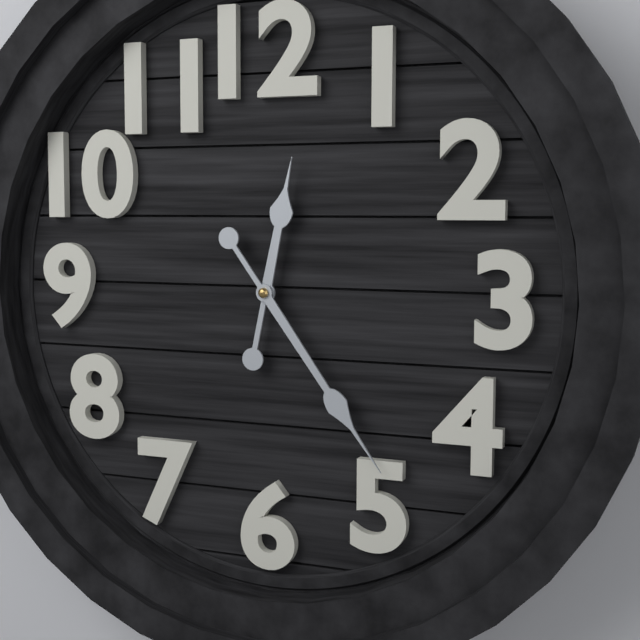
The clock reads **12:24**
